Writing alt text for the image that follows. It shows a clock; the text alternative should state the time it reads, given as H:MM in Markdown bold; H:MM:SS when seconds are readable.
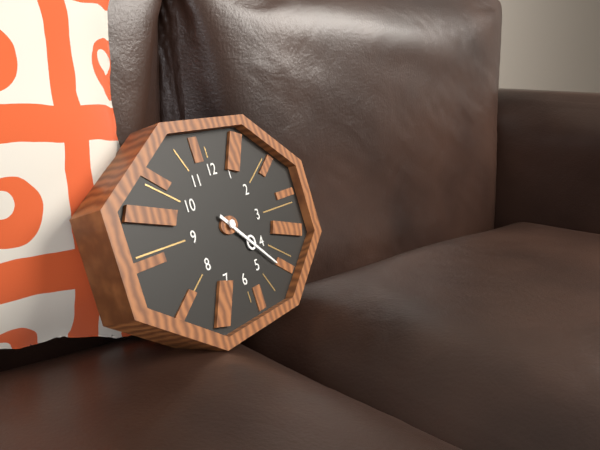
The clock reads **4:22**
